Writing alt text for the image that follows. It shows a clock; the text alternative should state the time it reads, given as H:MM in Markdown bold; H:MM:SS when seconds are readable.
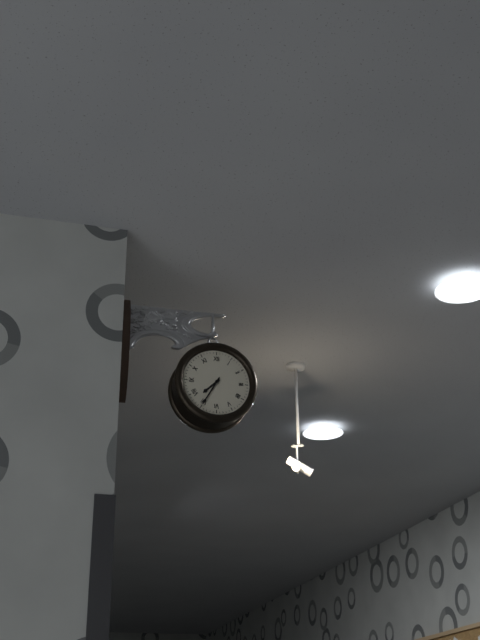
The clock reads **7:35**
